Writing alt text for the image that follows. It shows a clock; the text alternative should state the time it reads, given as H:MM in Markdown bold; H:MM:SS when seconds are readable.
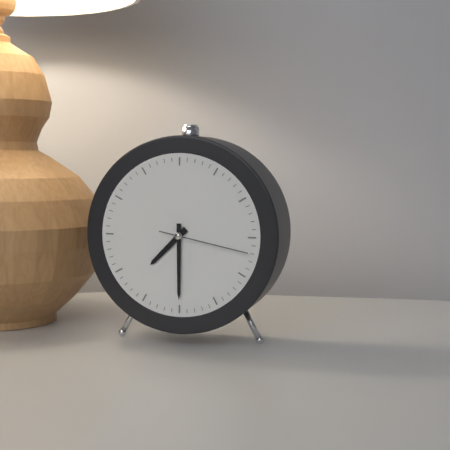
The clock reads **7:30:17**
